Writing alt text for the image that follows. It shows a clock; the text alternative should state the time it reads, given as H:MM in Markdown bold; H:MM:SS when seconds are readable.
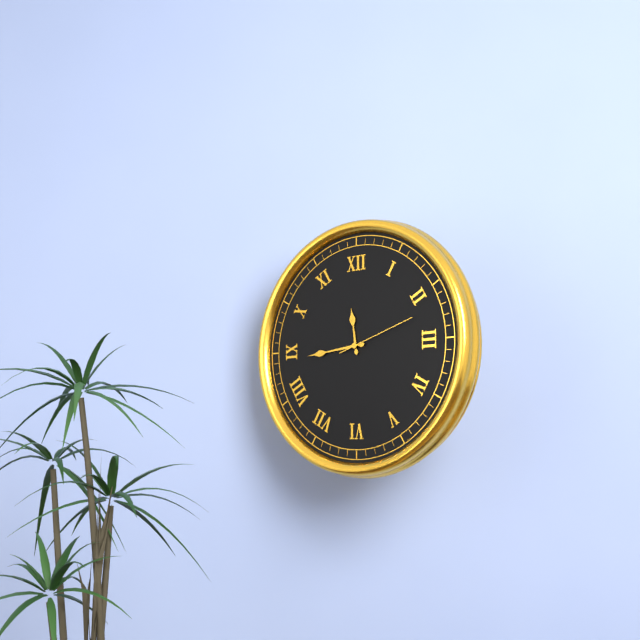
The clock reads **11:44:12**
